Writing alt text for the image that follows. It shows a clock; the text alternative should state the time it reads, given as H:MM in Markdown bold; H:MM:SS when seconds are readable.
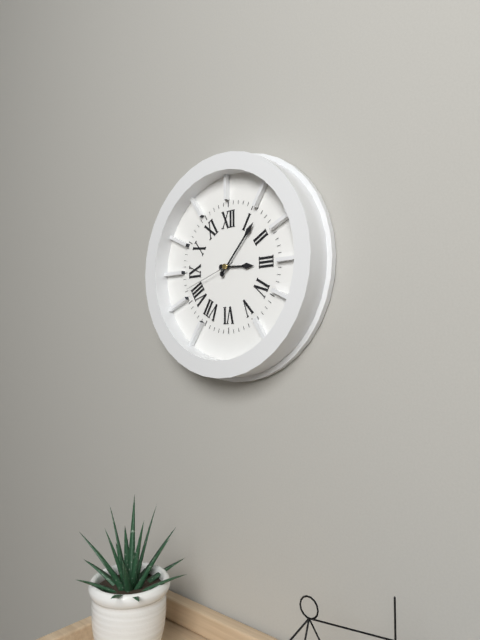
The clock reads **3:07:42**
